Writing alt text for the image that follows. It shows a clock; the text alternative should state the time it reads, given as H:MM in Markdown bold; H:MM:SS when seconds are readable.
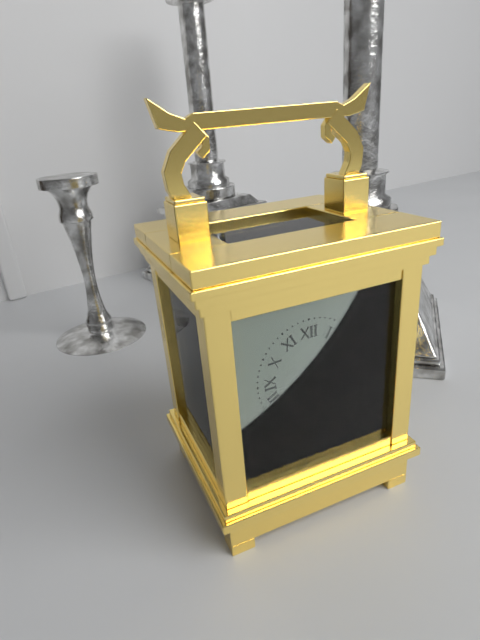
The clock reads **7:33**
